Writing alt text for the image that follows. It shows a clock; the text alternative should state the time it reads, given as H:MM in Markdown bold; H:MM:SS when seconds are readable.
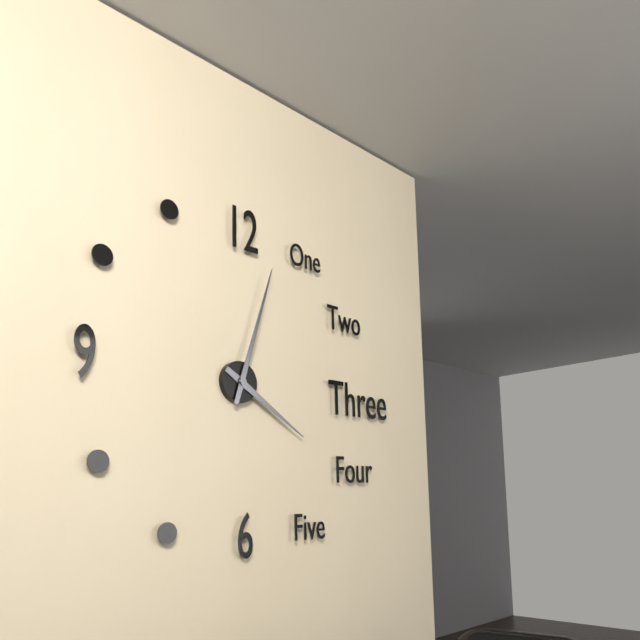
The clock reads **4:03**
